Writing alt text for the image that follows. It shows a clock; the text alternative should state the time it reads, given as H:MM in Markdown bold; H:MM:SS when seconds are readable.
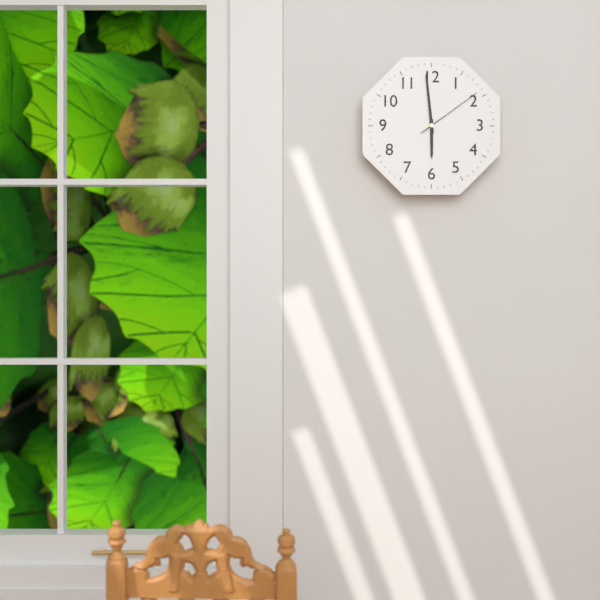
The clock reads **5:59:09**
